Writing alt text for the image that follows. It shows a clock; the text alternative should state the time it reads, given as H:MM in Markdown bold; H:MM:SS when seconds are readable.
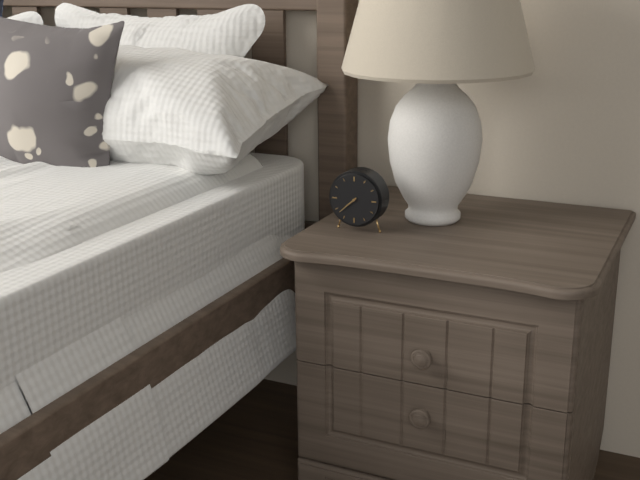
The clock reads **7:38**
